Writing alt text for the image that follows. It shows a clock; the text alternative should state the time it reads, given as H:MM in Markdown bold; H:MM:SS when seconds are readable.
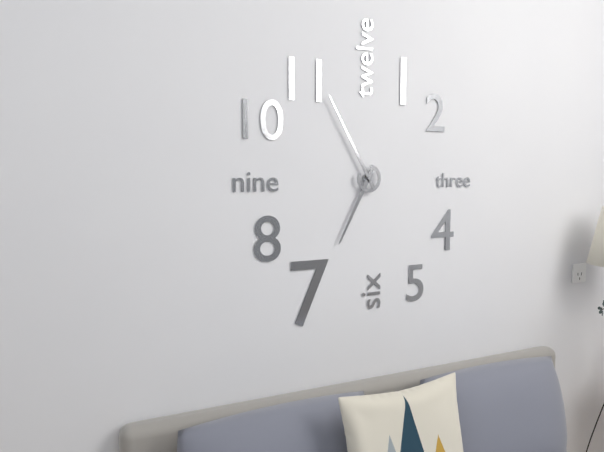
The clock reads **6:55**
